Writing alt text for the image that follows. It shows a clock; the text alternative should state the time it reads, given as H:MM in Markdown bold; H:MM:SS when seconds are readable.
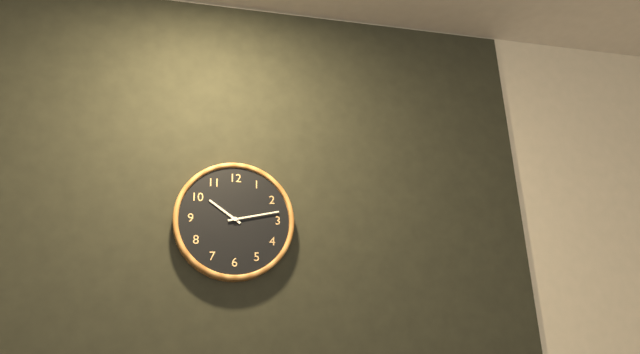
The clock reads **10:13**
